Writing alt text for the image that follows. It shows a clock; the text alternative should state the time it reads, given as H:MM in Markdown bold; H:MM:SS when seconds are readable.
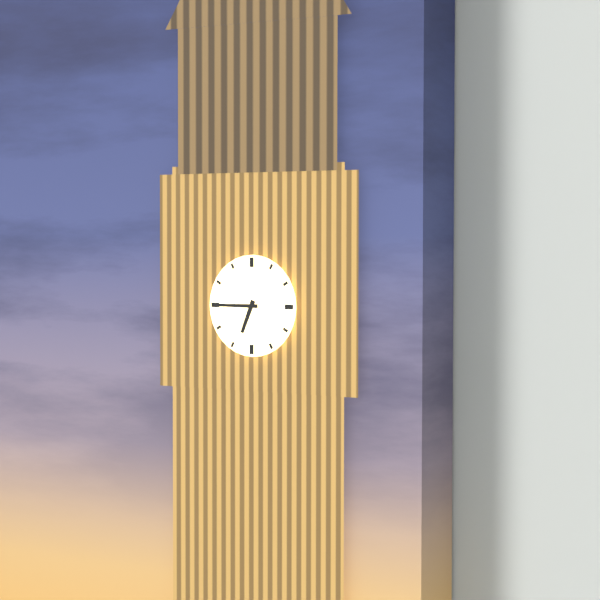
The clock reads **6:45**
